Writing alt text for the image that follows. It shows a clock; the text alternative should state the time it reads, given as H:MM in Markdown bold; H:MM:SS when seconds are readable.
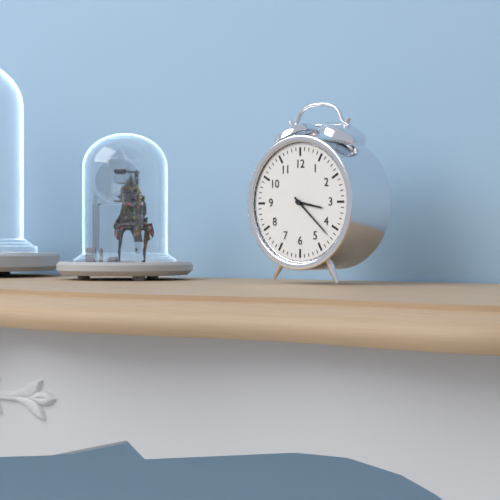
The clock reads **3:22**
